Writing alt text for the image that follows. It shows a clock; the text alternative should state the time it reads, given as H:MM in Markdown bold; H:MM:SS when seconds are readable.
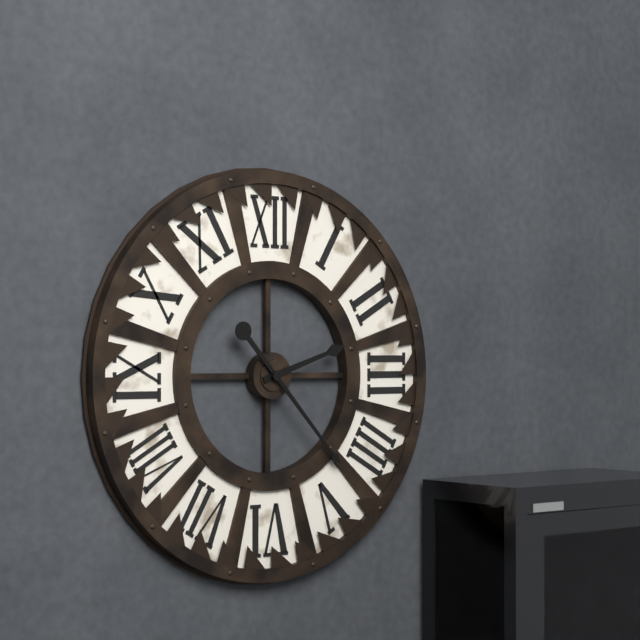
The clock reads **2:23**
